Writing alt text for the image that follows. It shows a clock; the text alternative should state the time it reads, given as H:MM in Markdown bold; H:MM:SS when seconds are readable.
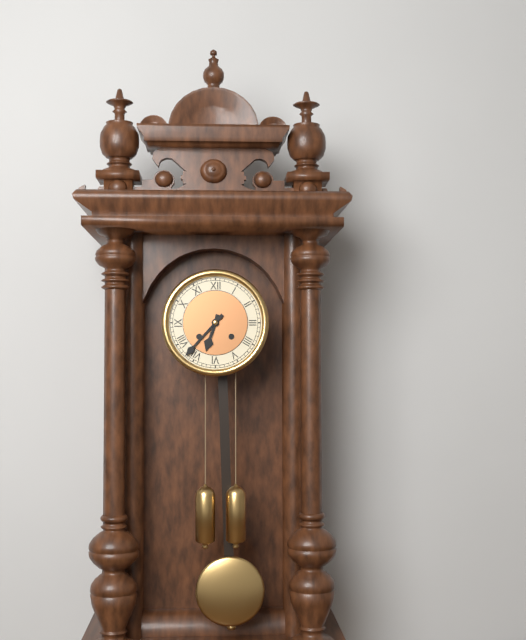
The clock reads **6:37**
